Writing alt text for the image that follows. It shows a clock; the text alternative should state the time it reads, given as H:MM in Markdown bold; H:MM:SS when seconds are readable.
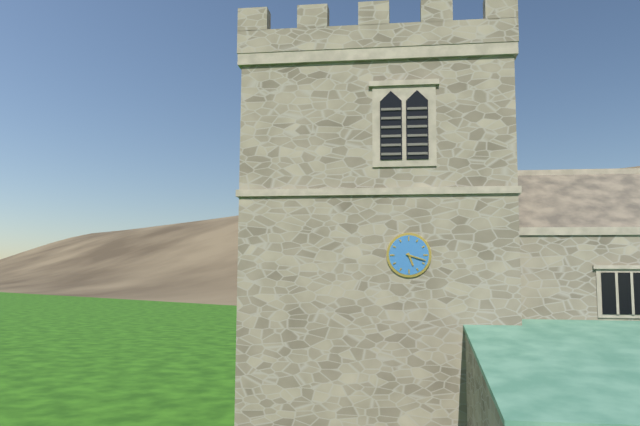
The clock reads **5:18**
